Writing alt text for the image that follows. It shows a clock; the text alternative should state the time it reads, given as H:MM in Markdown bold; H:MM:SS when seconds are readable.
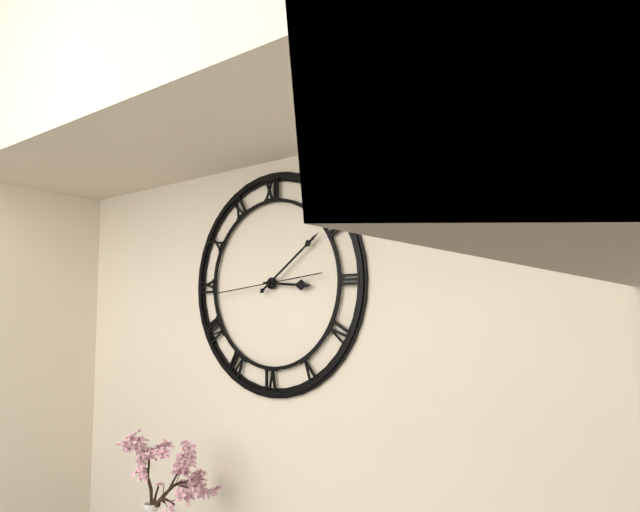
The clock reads **3:09:44**
